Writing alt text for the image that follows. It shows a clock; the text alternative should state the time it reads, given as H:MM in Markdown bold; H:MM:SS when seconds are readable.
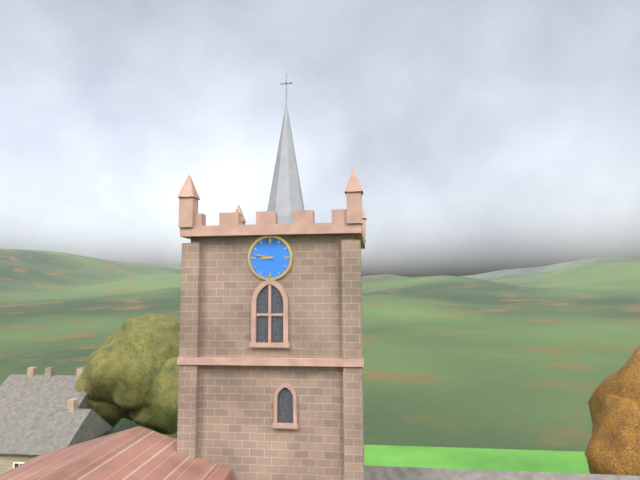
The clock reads **8:47**
